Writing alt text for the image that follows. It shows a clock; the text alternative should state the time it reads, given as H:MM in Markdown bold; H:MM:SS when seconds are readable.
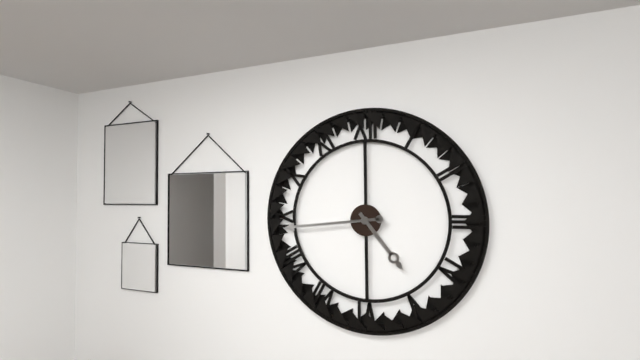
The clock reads **4:44**
